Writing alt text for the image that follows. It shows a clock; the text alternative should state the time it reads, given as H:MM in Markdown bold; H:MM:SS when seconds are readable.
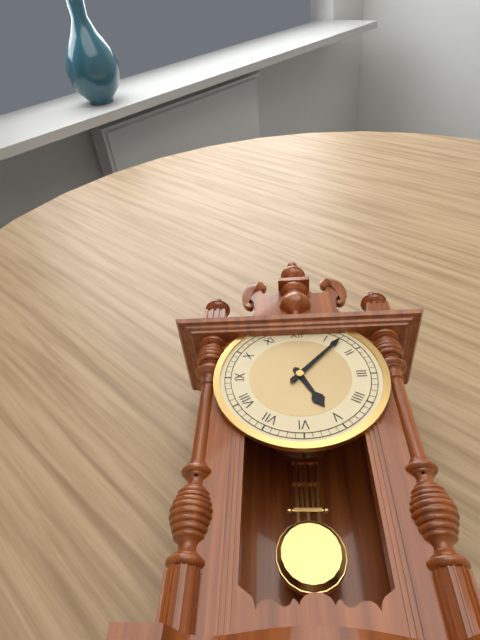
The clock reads **5:07**
